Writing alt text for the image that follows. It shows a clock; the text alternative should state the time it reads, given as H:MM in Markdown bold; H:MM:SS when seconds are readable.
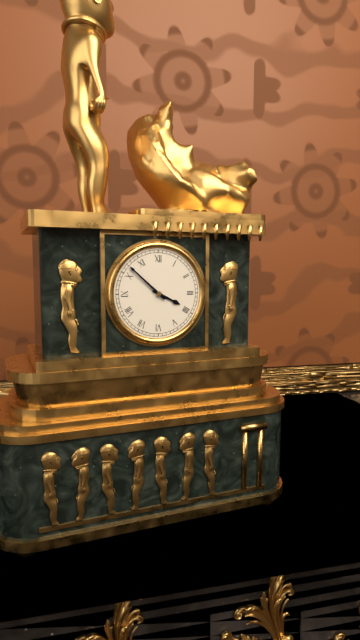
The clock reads **3:52**
